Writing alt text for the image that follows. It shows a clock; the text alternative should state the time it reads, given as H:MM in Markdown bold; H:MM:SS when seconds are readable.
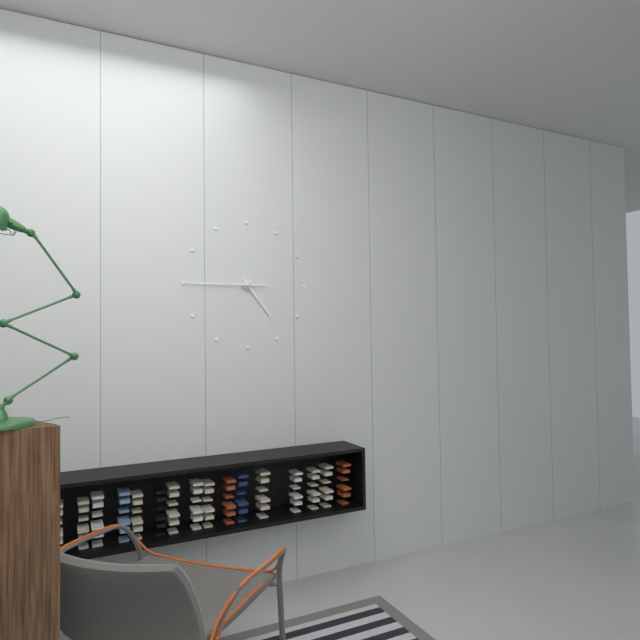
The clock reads **4:45**
